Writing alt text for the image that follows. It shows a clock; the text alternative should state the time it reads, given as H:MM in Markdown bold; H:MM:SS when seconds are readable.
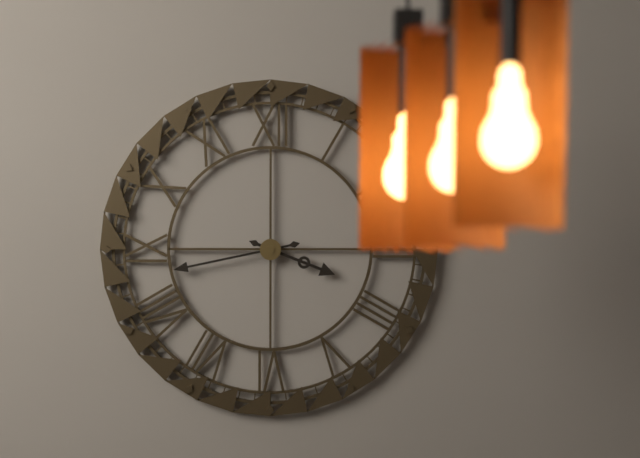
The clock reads **3:43**
